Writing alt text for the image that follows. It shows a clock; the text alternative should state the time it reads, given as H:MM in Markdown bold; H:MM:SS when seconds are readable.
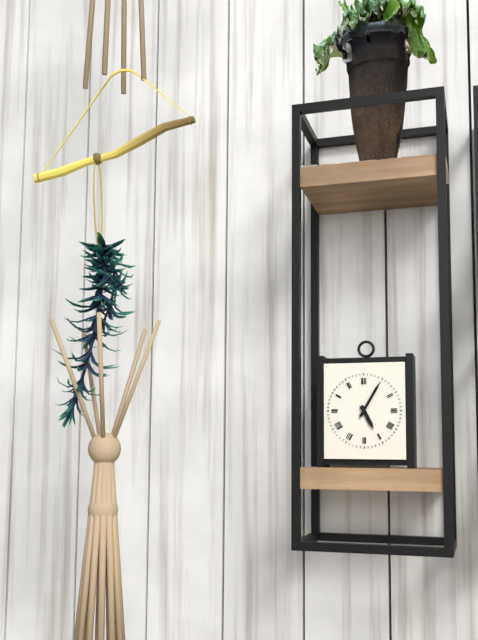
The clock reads **5:05**
